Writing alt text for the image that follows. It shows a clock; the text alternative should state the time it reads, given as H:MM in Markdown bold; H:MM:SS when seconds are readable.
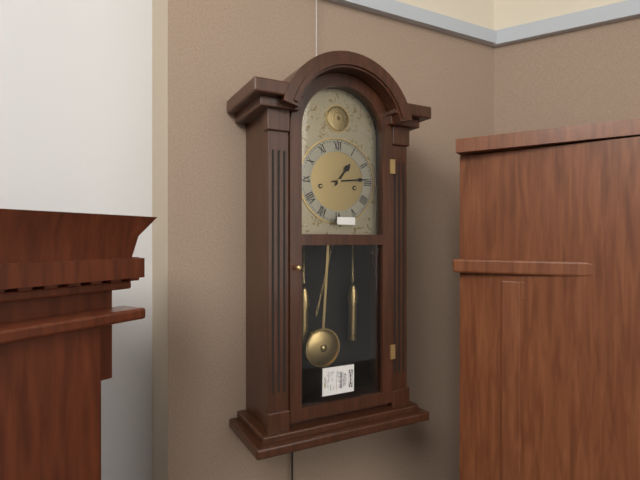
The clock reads **1:14**
